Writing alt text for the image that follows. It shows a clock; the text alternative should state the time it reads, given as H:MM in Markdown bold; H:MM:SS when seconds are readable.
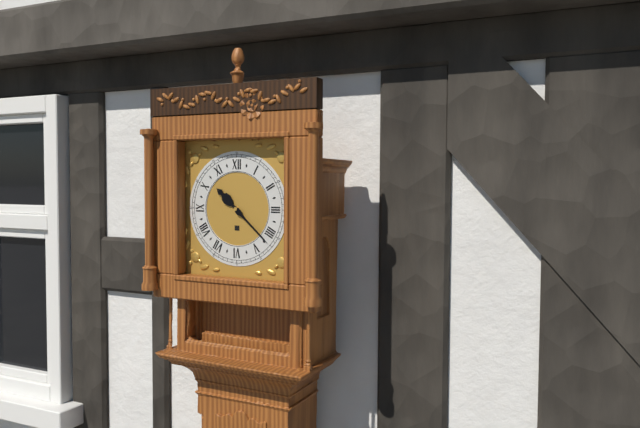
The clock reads **10:22**
